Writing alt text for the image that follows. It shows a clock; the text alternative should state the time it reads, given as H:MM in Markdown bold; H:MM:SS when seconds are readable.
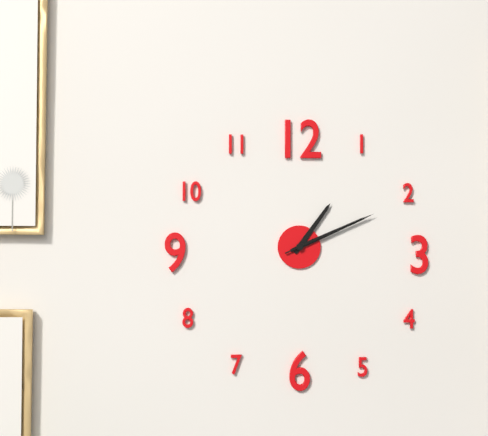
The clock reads **1:11:11**
